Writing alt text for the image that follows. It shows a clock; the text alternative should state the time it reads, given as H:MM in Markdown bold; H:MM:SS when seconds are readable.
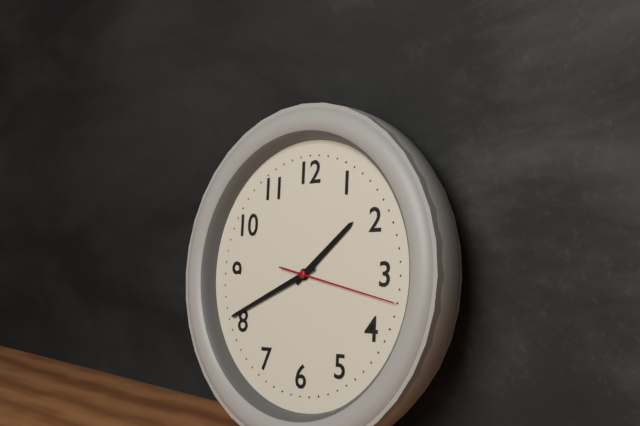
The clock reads **1:41:17**
